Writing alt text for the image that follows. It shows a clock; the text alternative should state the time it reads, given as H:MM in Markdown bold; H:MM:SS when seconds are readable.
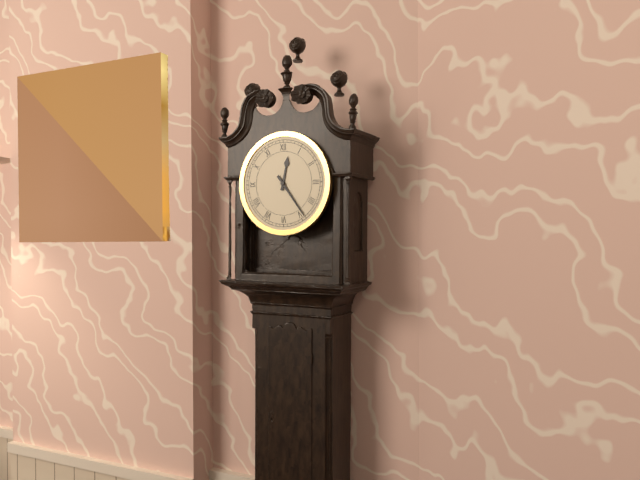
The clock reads **12:24**
